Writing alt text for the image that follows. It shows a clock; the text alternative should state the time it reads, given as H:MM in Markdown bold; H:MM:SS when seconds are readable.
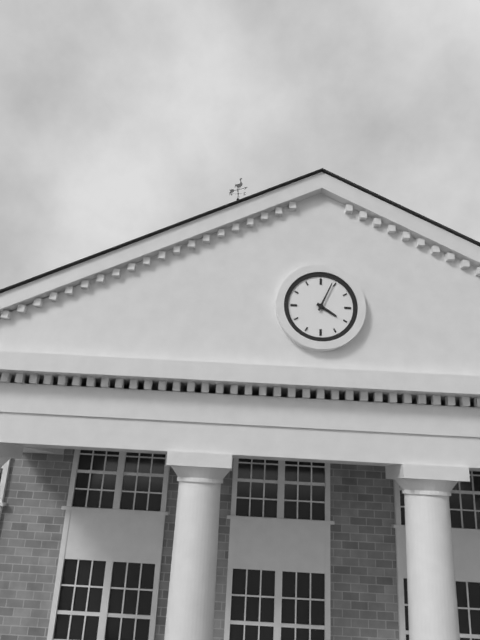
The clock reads **4:04**
